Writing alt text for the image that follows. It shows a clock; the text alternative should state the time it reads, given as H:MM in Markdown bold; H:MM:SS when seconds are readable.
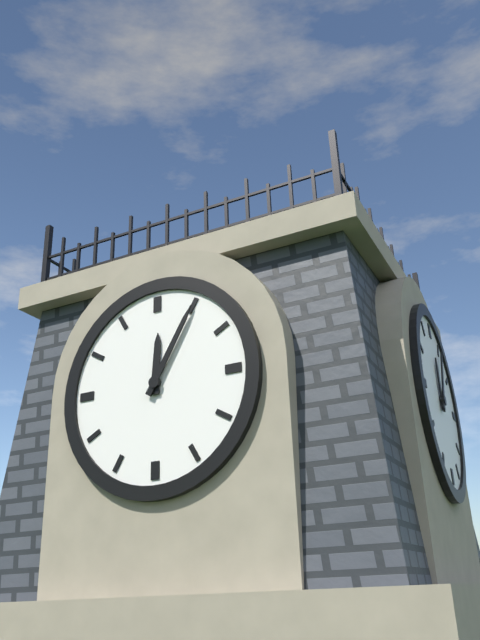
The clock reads **12:05**
